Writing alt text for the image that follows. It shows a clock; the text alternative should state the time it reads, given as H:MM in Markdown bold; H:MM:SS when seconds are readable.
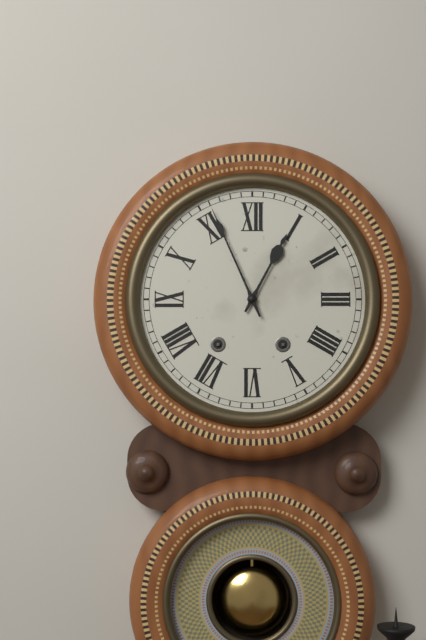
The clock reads **12:56**
